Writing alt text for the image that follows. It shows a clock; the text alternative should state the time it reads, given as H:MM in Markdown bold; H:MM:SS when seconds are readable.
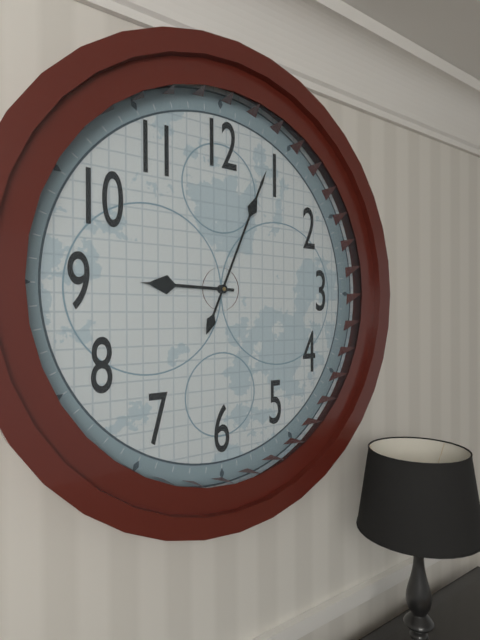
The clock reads **9:04**
